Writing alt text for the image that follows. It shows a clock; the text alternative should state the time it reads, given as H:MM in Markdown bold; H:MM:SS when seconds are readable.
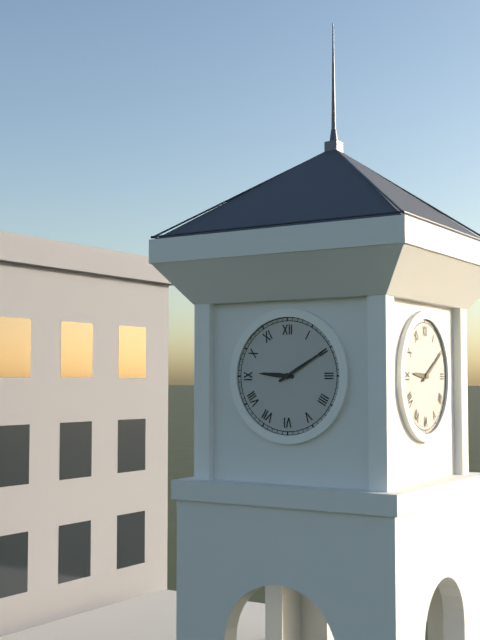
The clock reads **9:10**
